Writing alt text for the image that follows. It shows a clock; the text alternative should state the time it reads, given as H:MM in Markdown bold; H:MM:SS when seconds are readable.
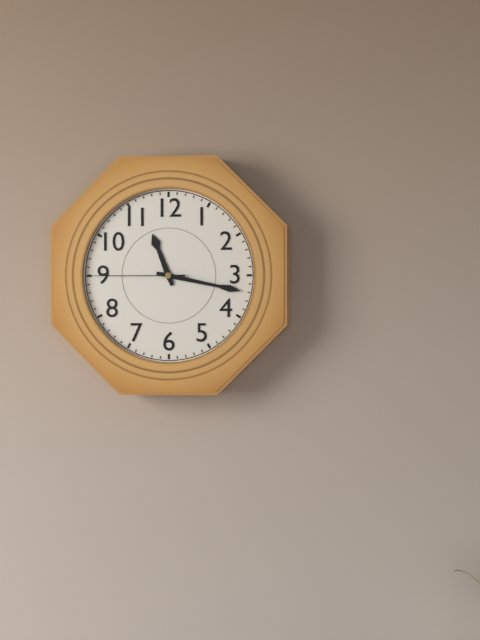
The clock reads **11:17:45**
